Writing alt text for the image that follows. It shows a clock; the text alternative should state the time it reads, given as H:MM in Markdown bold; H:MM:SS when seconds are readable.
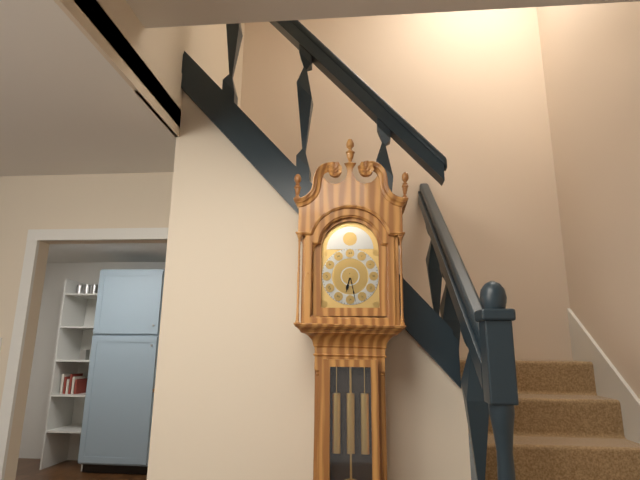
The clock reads **6:28**
